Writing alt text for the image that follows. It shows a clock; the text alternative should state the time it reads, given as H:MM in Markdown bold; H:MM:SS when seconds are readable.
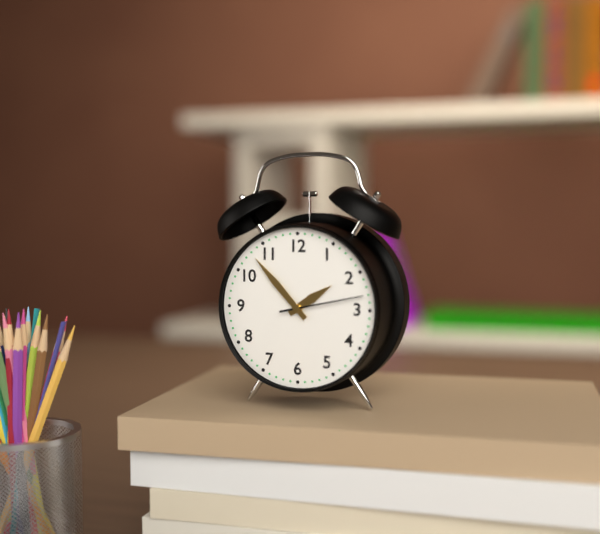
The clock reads **1:53:13**
